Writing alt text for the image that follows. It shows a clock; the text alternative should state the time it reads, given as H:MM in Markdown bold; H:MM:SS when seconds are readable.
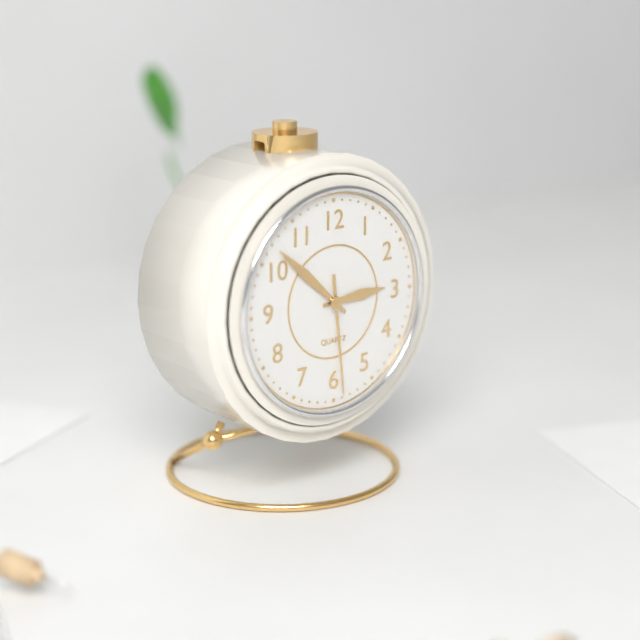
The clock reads **2:52:29**
